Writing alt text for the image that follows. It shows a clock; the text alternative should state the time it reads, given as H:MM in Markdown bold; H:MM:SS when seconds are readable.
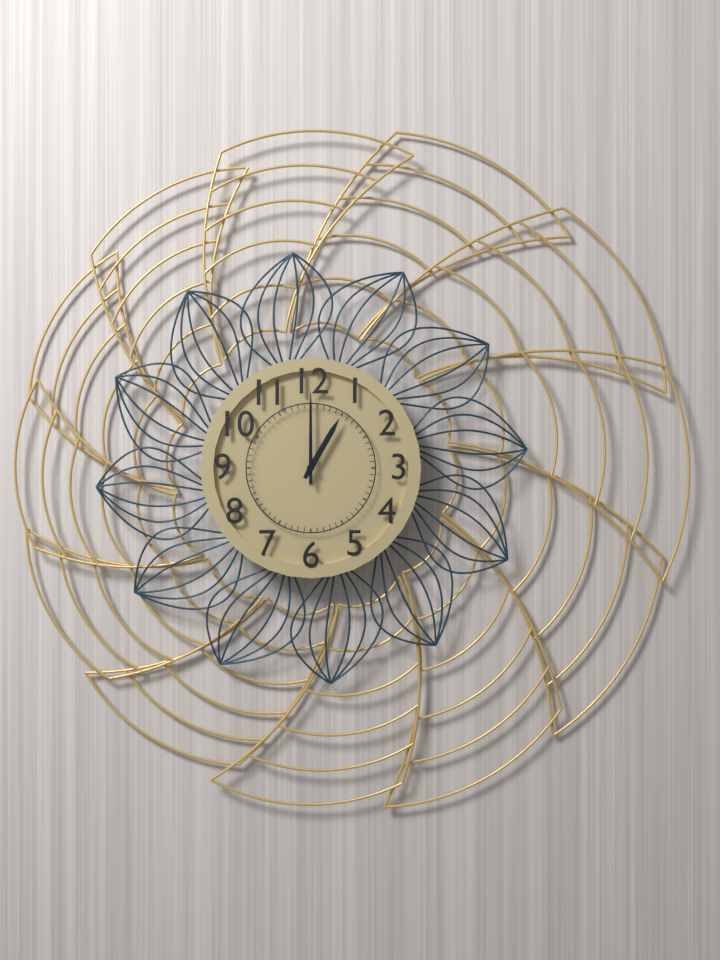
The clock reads **1:00**
